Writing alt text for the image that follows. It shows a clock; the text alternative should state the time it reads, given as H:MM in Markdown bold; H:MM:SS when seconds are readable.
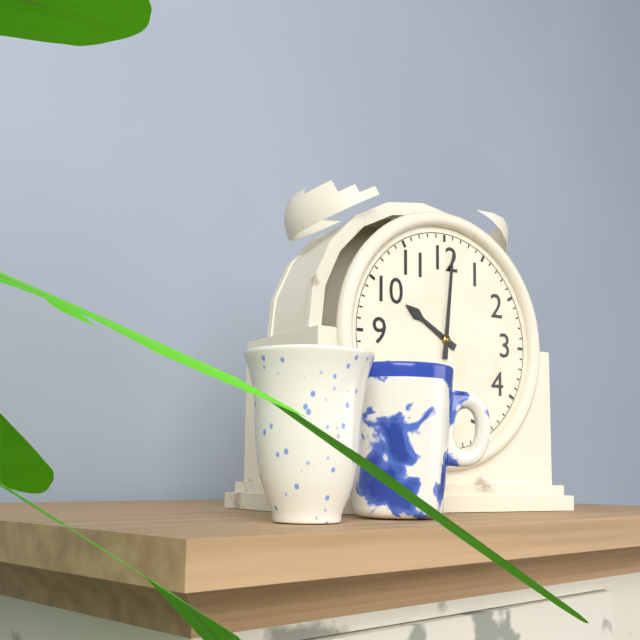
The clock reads **10:01**
